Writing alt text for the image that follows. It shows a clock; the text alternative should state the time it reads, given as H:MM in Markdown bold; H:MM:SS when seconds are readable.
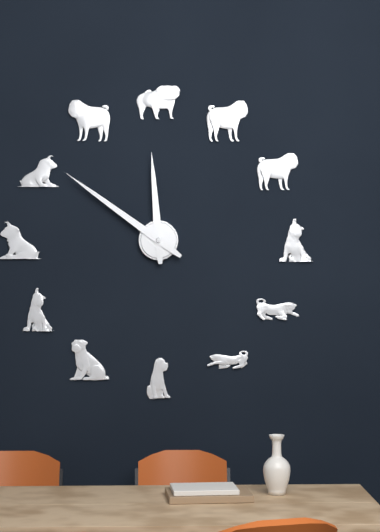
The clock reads **11:51**
